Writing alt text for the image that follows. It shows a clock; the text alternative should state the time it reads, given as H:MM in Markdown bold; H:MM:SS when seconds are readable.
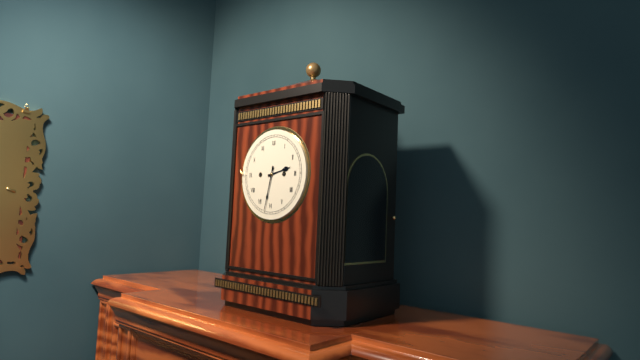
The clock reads **2:32**
